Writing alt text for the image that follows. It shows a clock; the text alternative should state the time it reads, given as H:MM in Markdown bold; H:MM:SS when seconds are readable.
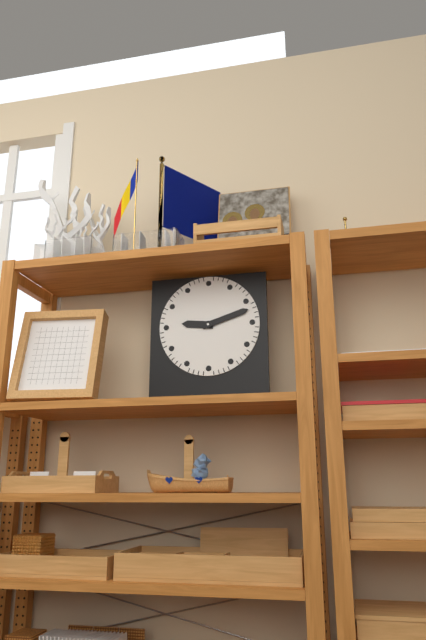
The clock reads **9:12**
